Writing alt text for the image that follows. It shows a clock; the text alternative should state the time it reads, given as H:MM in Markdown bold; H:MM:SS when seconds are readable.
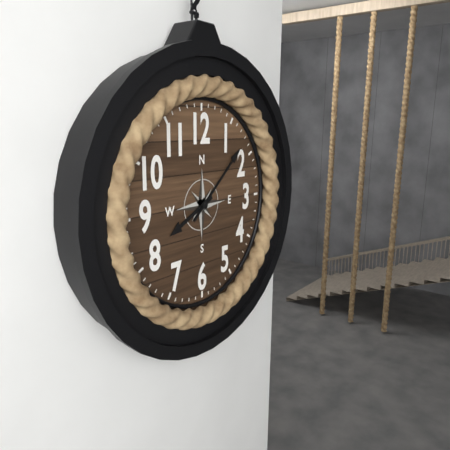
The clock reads **8:08**
